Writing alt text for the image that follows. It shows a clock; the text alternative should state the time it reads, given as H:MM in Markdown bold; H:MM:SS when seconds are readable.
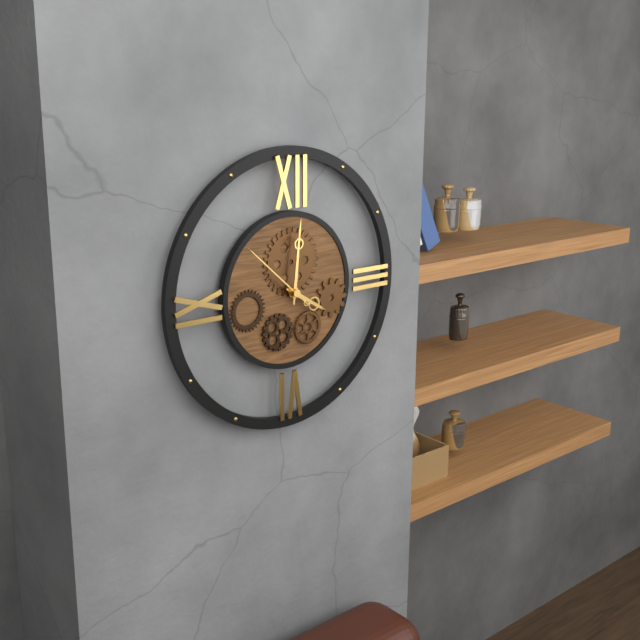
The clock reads **4:01:52**
